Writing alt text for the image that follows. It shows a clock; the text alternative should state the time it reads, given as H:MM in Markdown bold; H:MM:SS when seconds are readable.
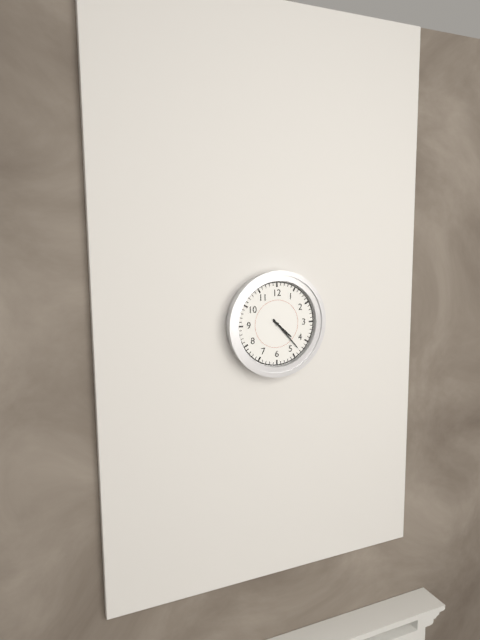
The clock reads **4:23**
